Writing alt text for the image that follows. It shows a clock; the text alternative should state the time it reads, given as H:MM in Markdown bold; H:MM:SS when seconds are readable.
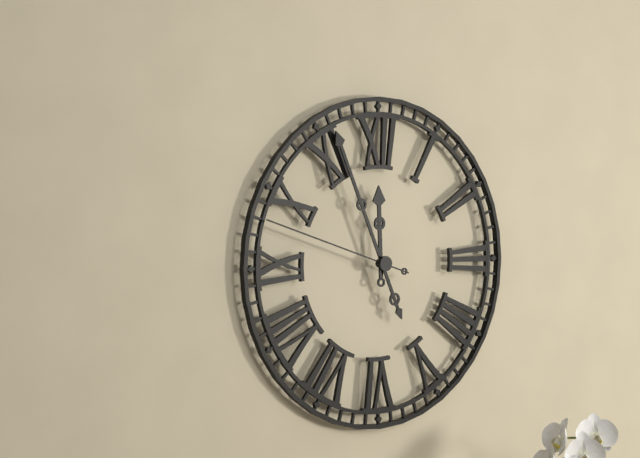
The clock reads **11:56:48**
